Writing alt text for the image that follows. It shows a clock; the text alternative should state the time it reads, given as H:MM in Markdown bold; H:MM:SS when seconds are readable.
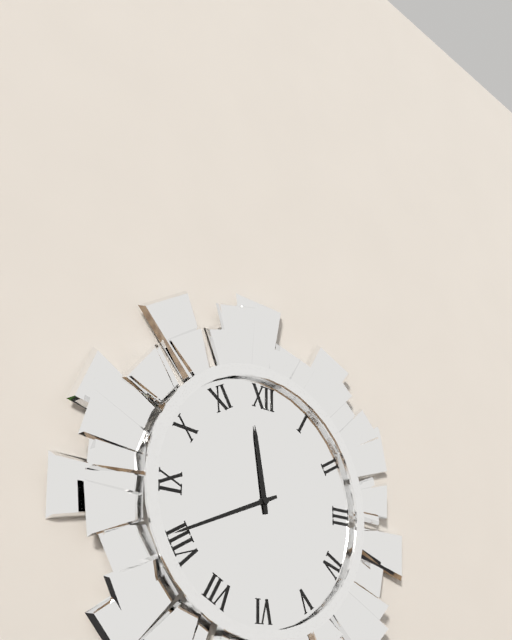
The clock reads **11:41**
